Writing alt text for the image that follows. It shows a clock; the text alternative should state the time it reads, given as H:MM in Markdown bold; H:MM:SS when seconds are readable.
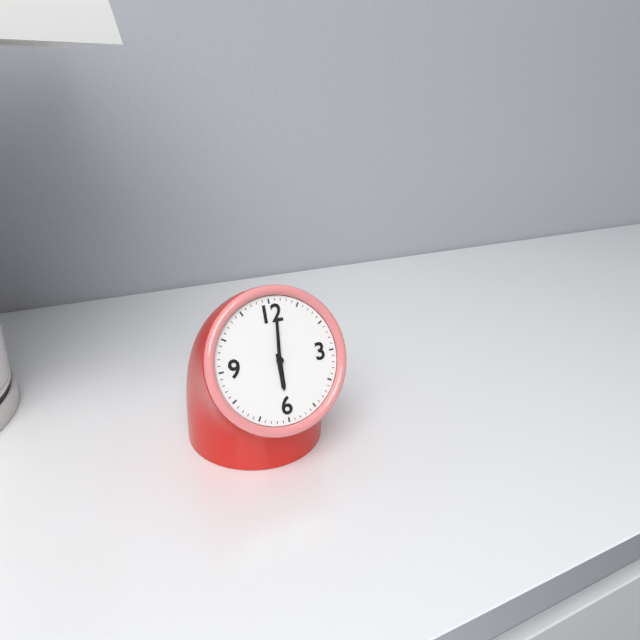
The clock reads **6:01**
